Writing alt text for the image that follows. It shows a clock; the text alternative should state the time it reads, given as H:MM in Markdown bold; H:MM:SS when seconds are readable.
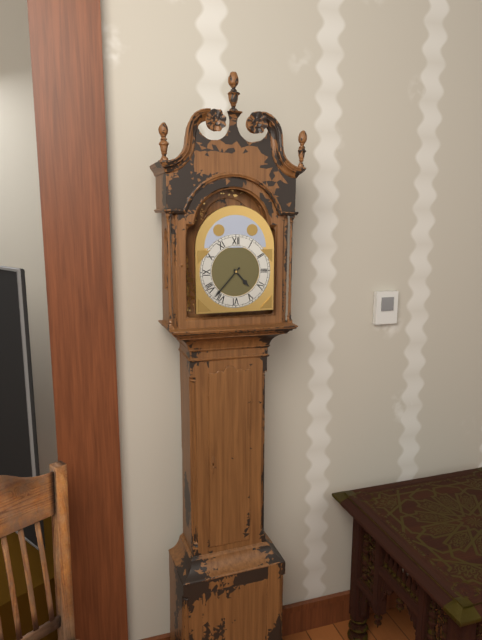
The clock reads **4:37**
